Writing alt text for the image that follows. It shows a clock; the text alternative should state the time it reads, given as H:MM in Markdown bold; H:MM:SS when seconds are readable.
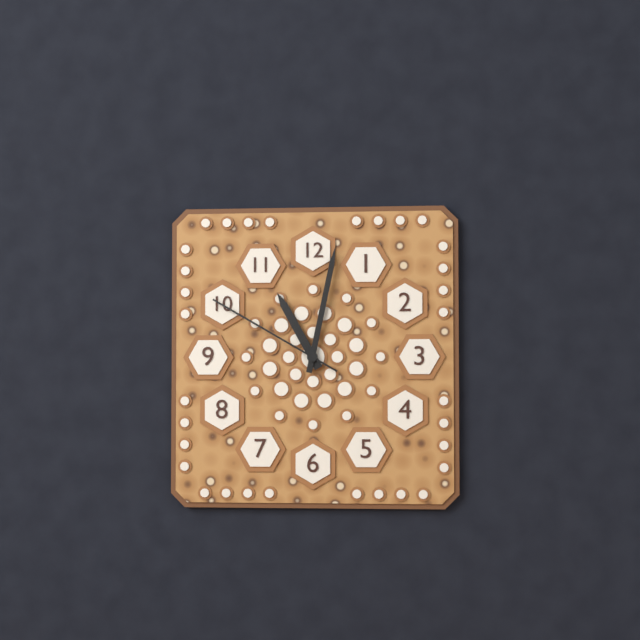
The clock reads **11:02:50**
